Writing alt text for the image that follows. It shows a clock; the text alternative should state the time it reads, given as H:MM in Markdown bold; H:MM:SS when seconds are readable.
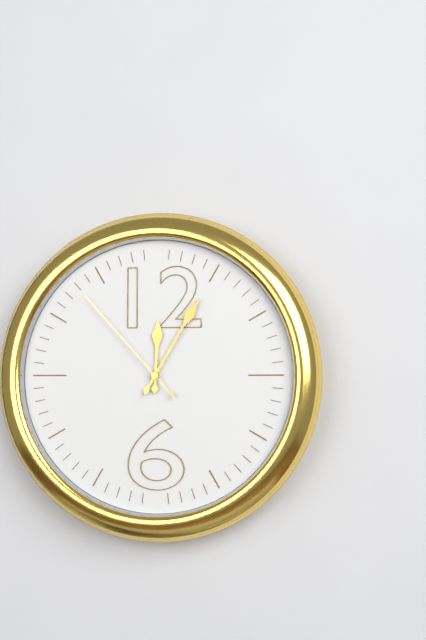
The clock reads **12:05:53**
